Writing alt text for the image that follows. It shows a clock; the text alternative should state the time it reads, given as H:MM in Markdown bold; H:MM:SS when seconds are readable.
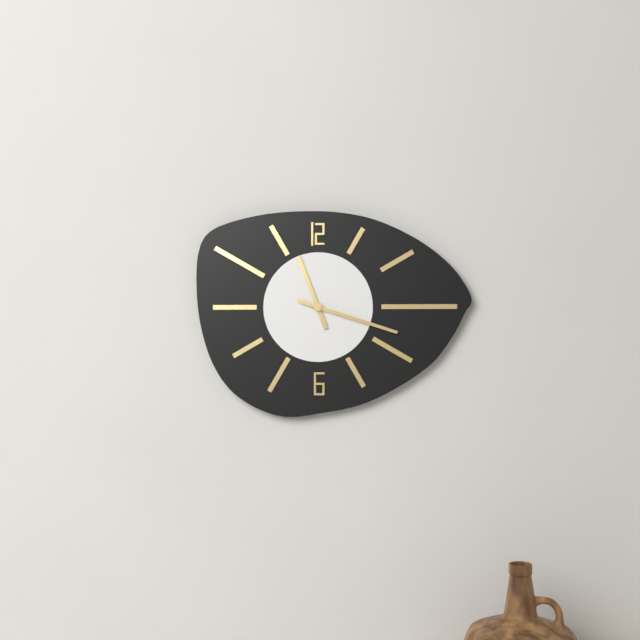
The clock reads **11:18**
